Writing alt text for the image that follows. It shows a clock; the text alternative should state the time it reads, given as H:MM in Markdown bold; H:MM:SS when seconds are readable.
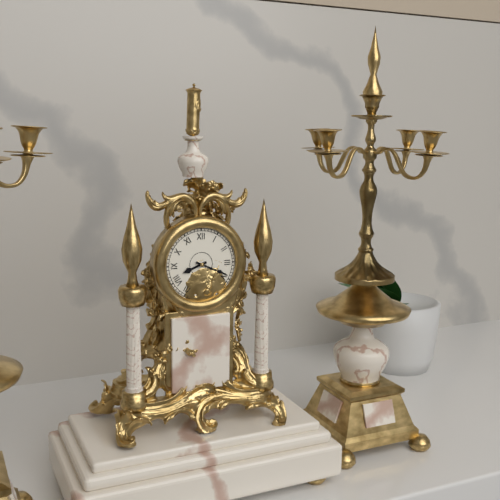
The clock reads **8:19**
